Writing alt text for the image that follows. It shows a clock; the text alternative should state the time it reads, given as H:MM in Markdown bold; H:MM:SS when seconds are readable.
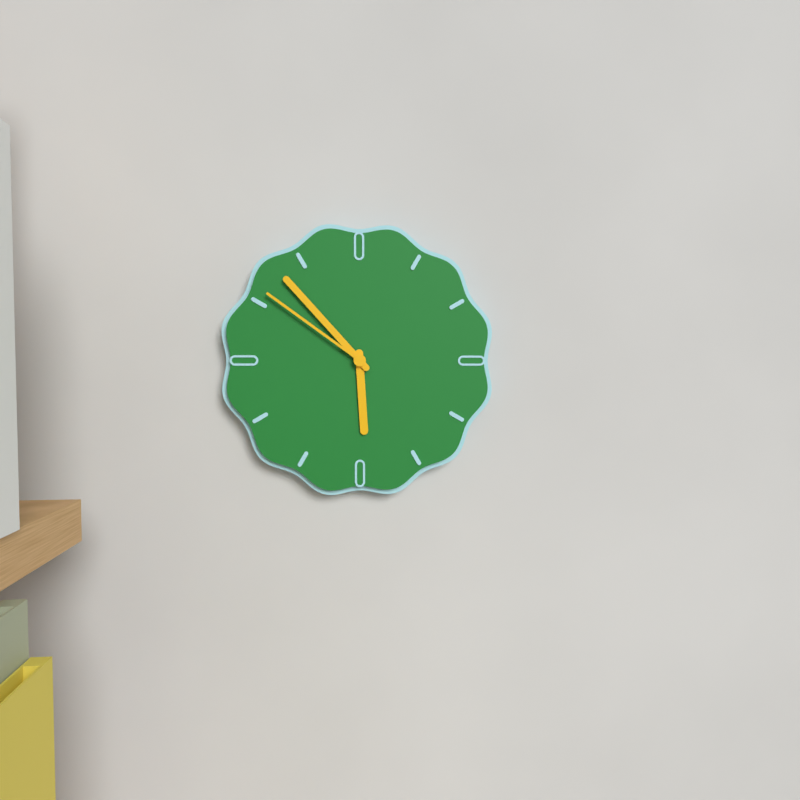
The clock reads **5:53:51**
